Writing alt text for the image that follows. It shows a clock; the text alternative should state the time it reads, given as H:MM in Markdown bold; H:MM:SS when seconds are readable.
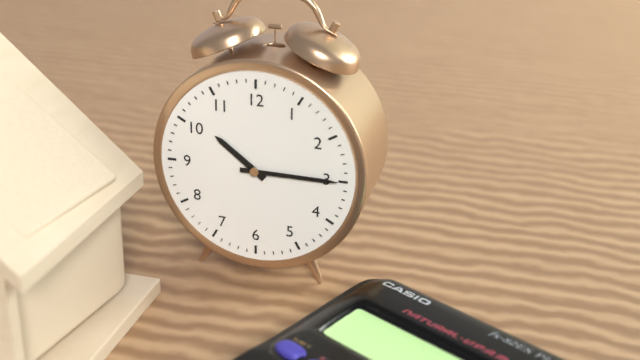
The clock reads **10:15**
